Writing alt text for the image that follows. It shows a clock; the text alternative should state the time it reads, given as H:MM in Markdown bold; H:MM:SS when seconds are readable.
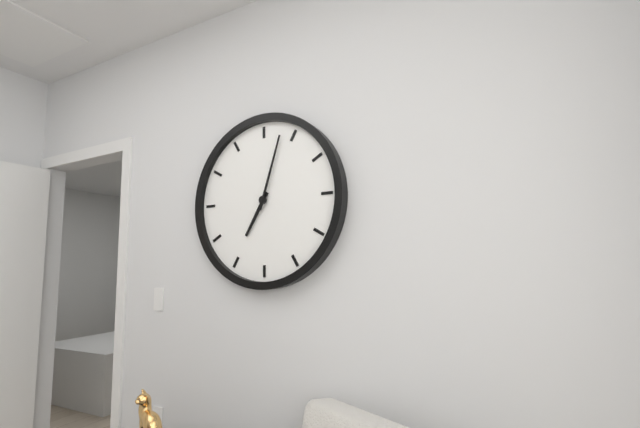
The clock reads **7:03**
